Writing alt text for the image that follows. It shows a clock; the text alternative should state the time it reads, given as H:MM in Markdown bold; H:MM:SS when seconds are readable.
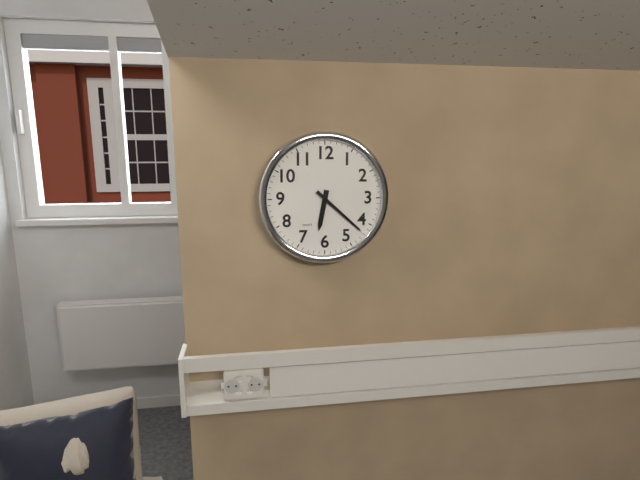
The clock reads **6:22**
